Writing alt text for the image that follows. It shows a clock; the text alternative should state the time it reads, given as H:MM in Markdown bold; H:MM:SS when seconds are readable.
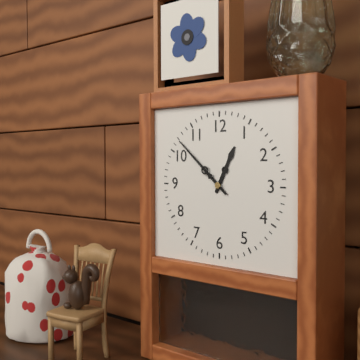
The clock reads **12:52**
